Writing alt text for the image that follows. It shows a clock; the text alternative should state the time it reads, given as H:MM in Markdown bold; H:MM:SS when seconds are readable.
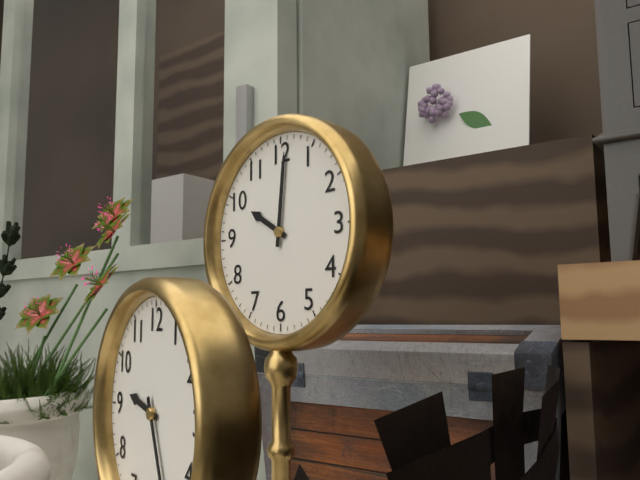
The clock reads **10:01**
